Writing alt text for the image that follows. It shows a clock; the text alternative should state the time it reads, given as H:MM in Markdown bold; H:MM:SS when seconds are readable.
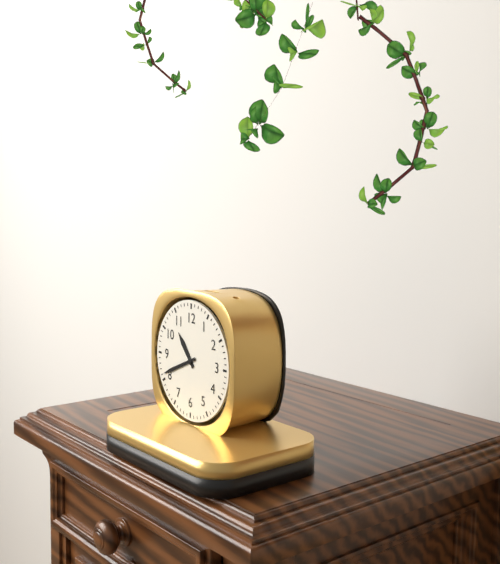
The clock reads **10:41**
